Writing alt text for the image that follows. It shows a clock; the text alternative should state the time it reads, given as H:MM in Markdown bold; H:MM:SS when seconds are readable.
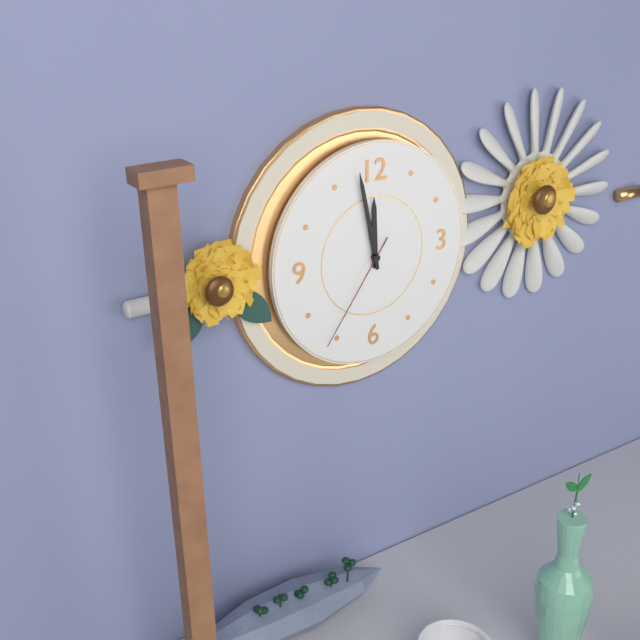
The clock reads **11:58:36**
